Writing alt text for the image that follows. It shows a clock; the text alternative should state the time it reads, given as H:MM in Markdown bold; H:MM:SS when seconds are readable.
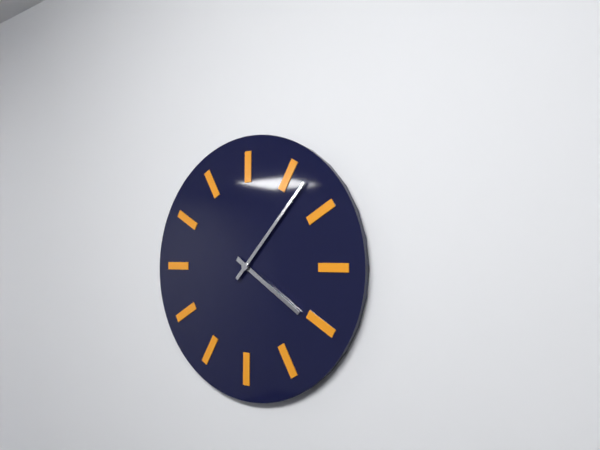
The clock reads **4:07**
